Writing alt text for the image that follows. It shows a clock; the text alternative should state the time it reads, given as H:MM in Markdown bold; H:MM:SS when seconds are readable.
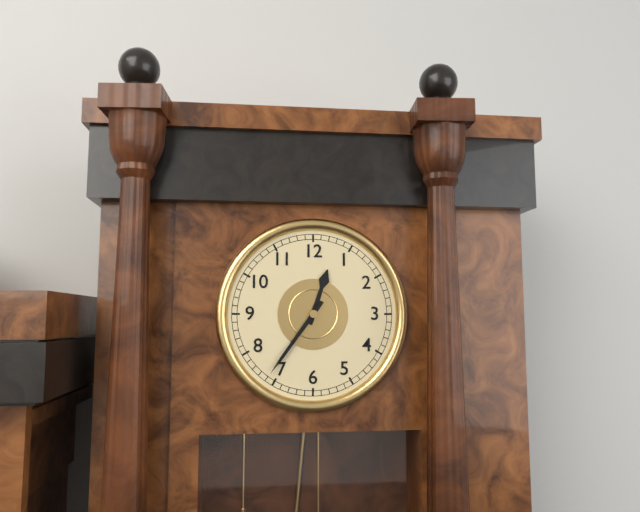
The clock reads **12:36**
